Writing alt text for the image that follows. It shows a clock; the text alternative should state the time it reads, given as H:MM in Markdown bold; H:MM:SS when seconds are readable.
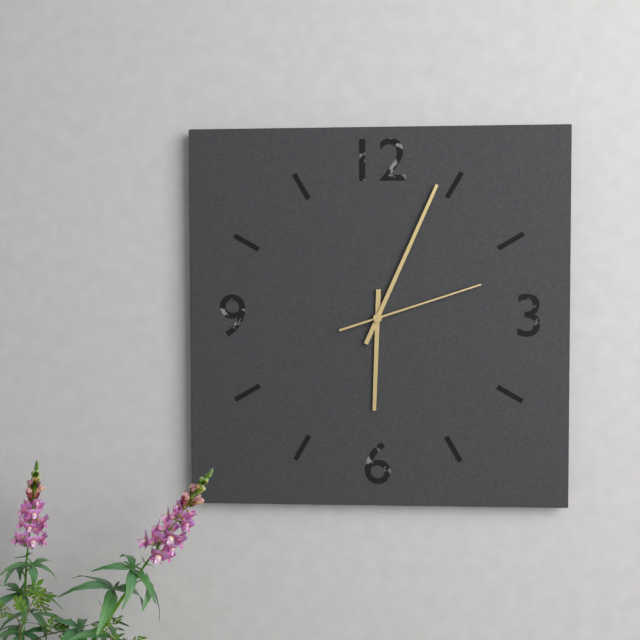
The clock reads **6:04:12**
